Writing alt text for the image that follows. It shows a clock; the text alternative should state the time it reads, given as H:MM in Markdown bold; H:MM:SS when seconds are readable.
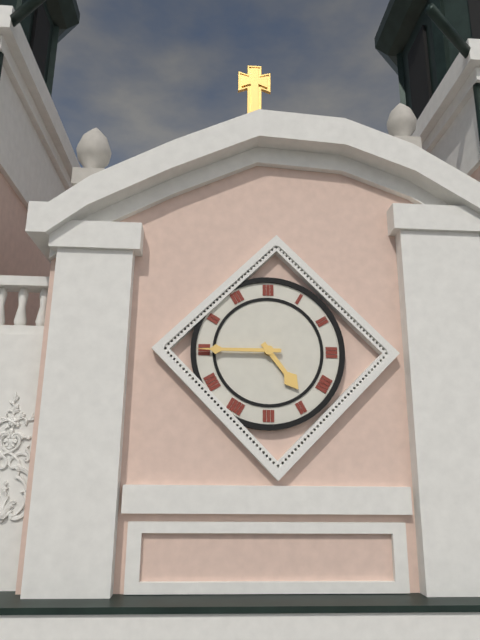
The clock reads **4:45**
